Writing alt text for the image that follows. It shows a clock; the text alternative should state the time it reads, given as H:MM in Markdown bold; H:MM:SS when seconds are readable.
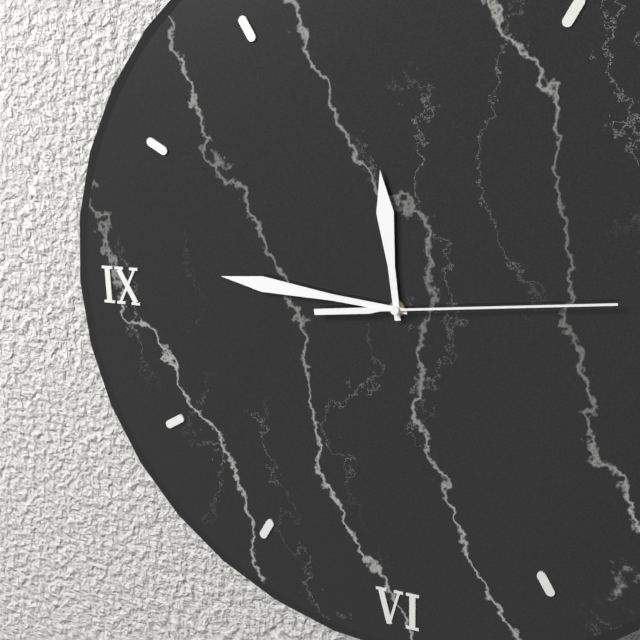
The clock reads **11:46:14**
